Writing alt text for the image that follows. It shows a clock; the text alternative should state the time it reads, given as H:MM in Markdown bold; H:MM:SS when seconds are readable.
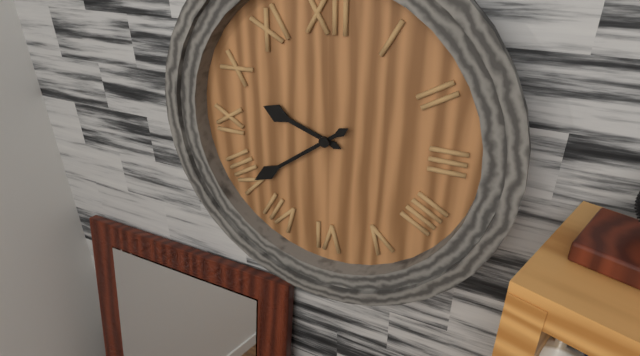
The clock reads **9:39**
